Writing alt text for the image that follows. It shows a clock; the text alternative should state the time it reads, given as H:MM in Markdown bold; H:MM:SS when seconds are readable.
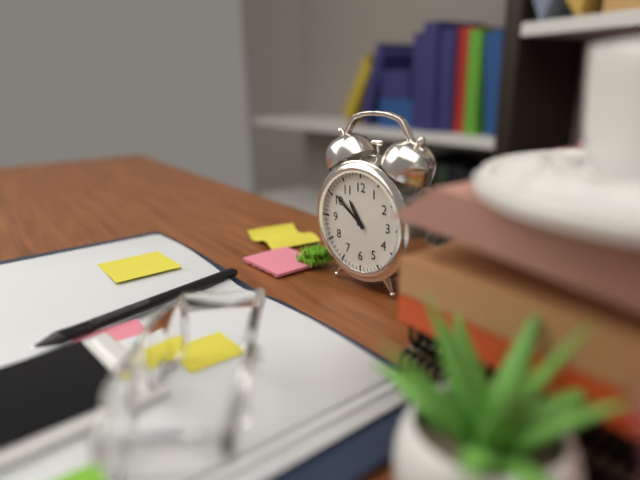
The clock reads **10:51**
